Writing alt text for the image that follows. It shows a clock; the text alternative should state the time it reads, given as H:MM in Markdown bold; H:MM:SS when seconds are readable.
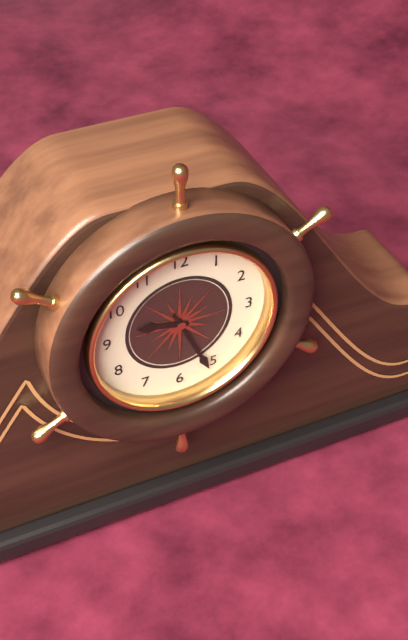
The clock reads **9:26**
